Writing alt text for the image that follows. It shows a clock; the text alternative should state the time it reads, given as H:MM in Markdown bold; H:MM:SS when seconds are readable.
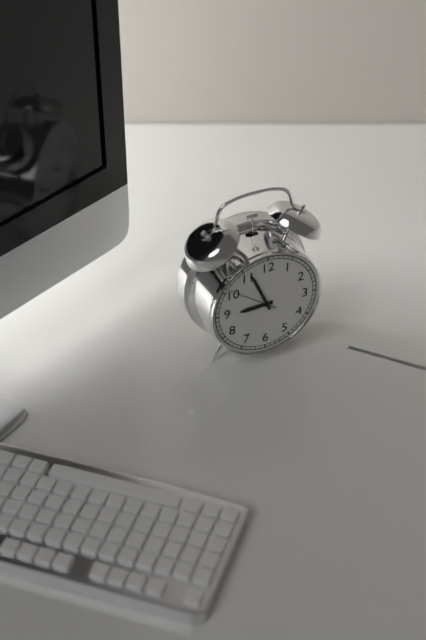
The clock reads **8:56**
